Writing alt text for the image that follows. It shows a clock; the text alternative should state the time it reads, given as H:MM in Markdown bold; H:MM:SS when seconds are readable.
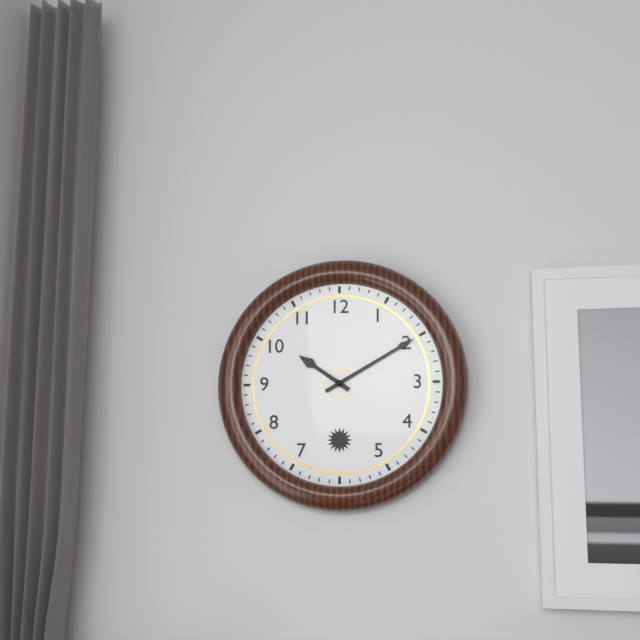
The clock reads **10:10**
